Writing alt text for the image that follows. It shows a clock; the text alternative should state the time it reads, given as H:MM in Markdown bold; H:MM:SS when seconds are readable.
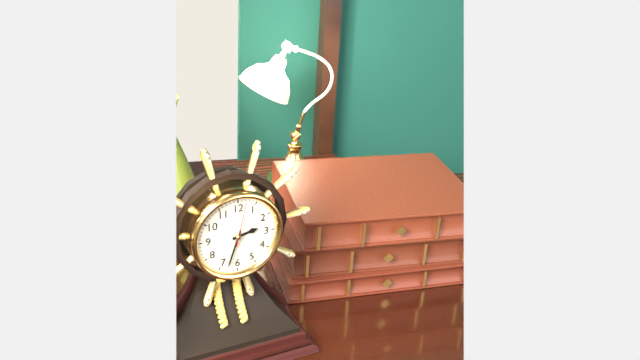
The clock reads **2:33**
